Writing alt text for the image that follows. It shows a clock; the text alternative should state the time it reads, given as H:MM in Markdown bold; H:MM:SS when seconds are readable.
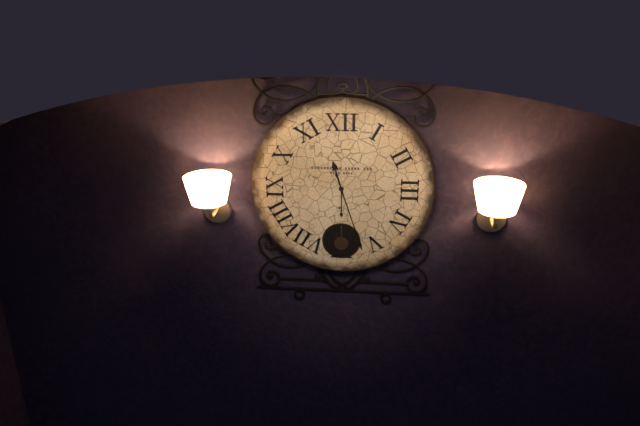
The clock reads **11:27**
